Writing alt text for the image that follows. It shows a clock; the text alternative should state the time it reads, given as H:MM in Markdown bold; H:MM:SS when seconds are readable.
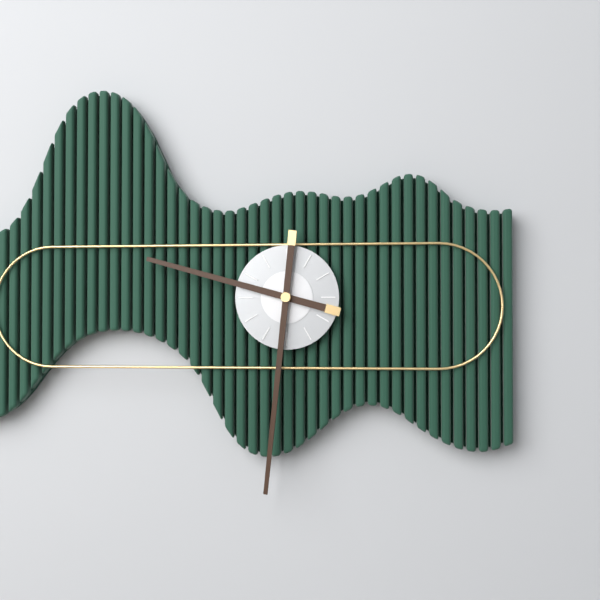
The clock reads **9:31**
